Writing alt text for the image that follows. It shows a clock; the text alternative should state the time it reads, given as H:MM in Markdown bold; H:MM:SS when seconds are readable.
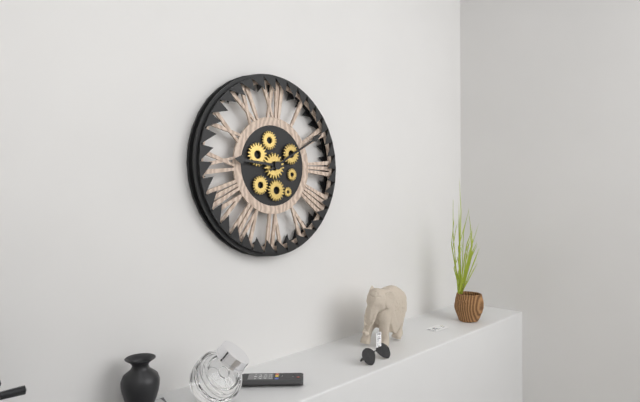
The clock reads **9:10**
